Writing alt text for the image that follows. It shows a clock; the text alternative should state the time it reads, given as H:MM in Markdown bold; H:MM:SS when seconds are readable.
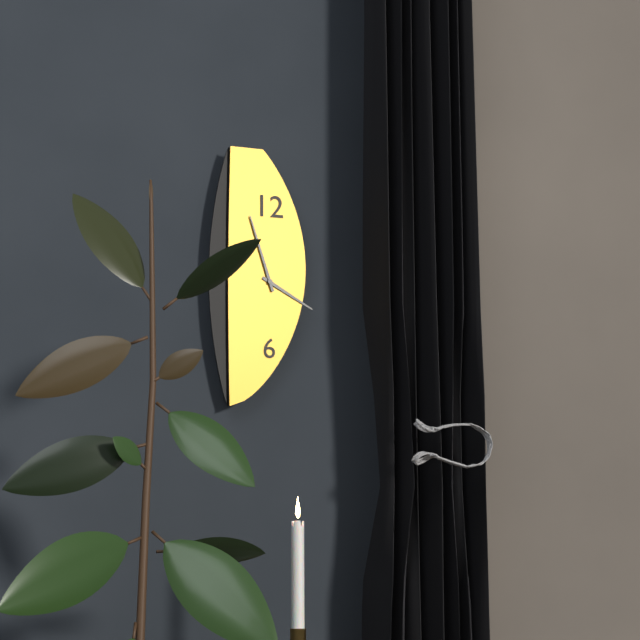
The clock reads **3:57**
